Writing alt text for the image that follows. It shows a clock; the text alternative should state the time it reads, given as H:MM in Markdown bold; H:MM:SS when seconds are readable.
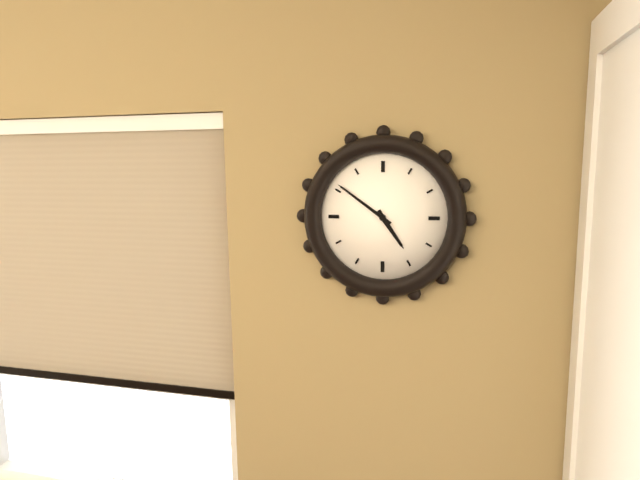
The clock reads **4:51**
